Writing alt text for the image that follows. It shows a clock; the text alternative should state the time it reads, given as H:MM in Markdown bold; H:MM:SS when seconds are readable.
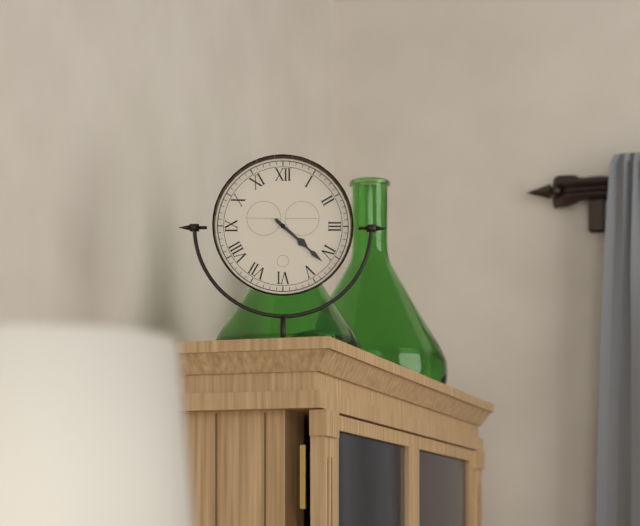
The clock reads **4:22**
